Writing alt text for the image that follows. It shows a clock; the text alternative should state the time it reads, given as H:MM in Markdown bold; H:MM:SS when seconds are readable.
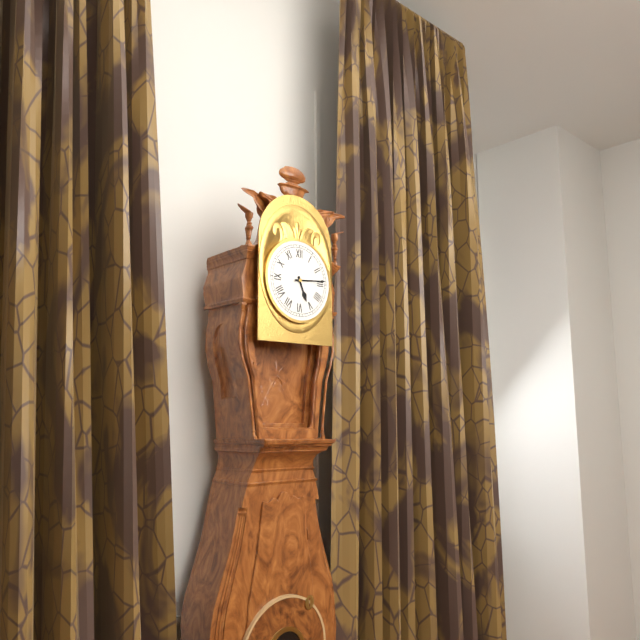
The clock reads **5:14**
